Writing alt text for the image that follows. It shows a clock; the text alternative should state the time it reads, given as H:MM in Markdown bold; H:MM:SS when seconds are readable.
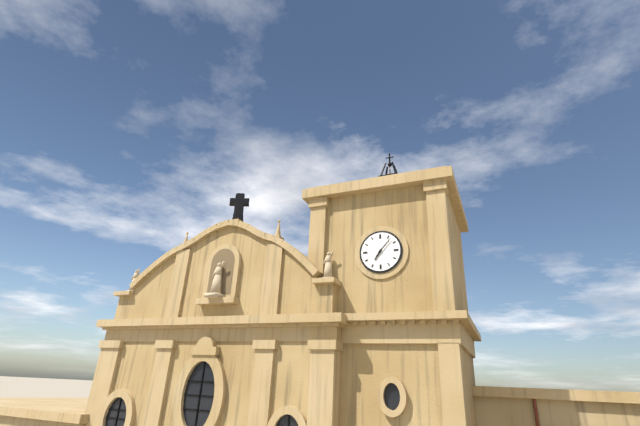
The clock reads **7:07**
